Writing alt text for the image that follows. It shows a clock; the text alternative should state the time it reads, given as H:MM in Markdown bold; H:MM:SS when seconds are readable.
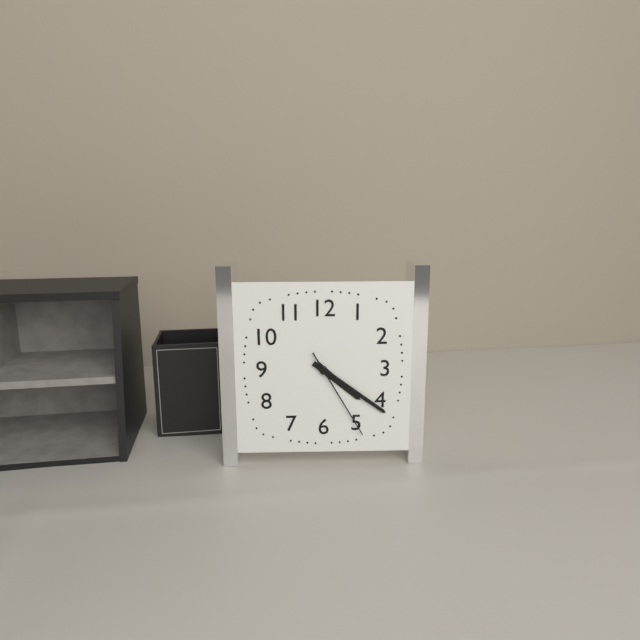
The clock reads **4:21:25**
